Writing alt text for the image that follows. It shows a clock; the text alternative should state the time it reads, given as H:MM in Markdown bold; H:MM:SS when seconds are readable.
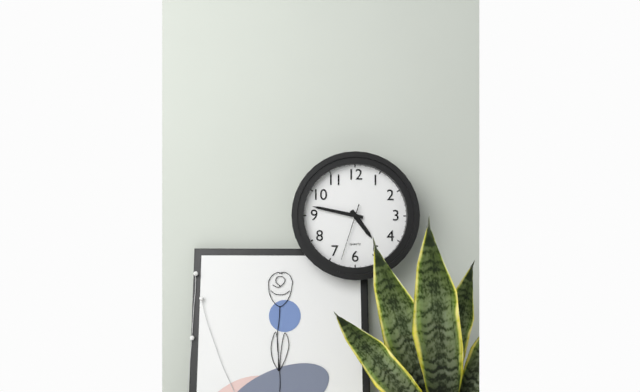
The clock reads **4:47:33**
